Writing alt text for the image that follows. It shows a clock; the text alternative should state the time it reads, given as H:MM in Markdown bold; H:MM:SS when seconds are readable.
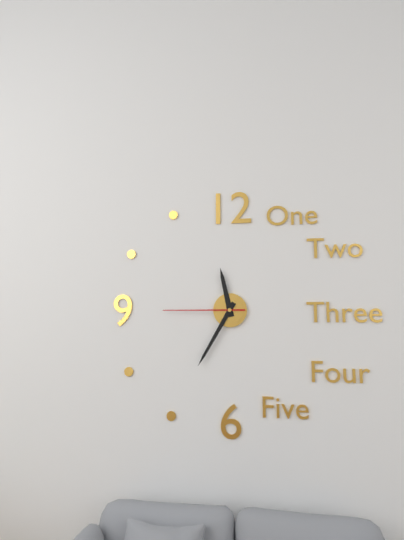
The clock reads **11:35:45**
